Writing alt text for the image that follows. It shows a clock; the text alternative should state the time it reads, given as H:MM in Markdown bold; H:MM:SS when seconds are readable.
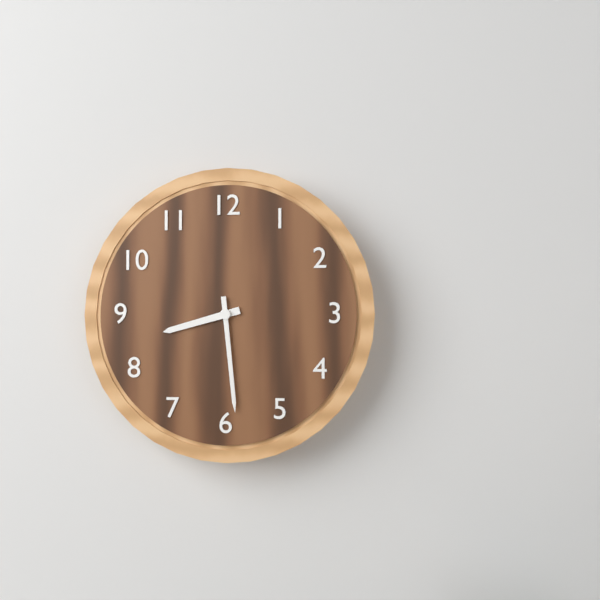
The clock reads **8:29**
